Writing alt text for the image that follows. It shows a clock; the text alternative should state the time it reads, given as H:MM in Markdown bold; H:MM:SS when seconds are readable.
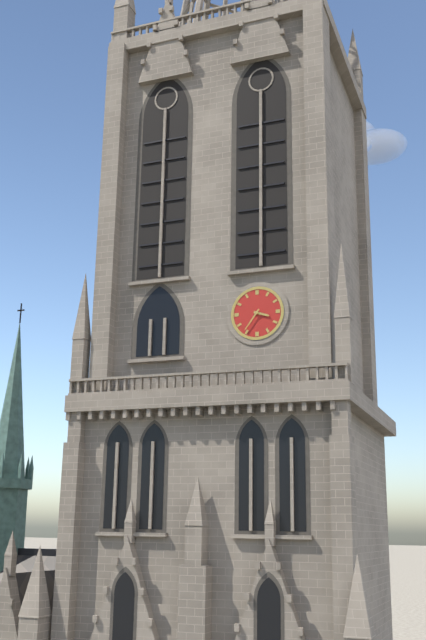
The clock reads **3:36**
